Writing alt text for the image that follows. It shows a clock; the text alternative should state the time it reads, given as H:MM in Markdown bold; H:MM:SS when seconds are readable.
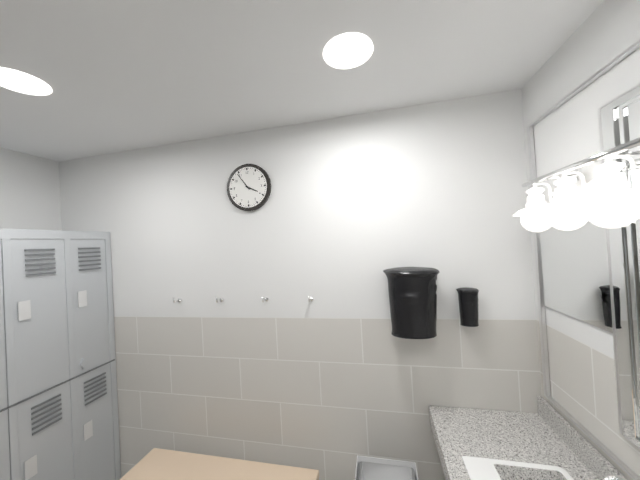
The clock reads **3:54**
